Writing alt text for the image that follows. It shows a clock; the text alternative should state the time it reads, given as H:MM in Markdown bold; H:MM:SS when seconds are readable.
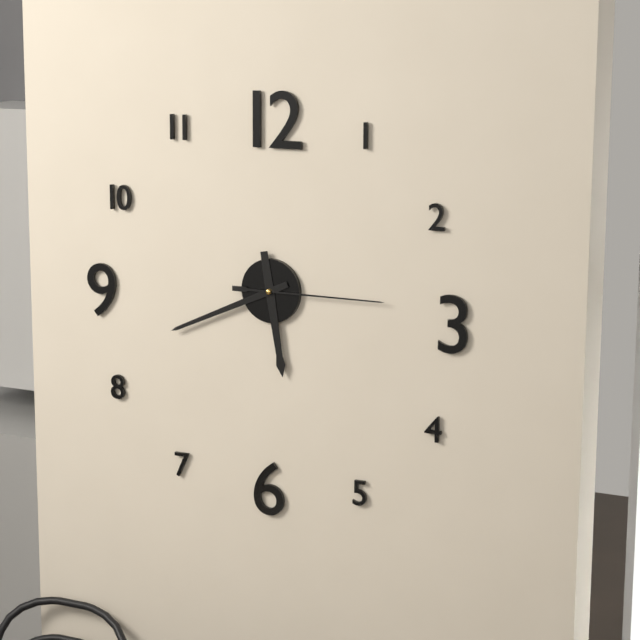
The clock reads **5:41:15**
